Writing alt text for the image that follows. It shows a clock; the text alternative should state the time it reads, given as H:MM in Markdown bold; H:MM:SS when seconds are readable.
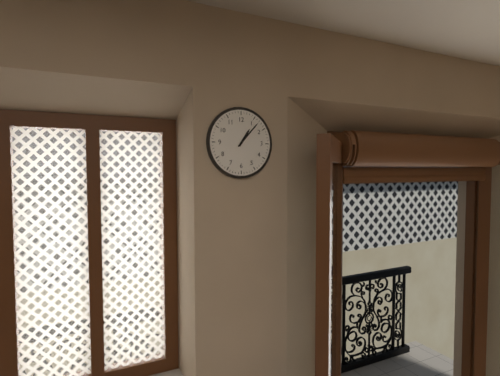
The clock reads **1:07**
